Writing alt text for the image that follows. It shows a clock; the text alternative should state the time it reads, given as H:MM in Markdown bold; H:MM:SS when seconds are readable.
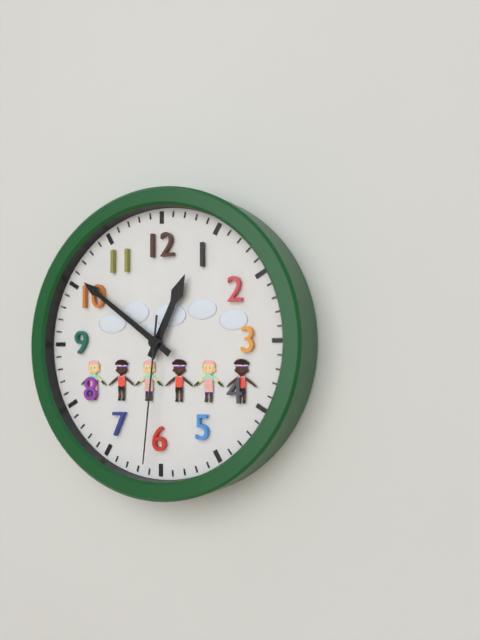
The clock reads **12:51:31**
